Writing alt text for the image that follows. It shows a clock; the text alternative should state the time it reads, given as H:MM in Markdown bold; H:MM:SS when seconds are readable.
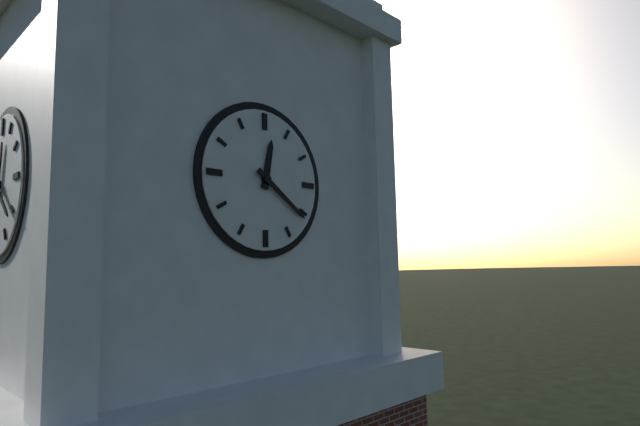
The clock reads **12:21**
